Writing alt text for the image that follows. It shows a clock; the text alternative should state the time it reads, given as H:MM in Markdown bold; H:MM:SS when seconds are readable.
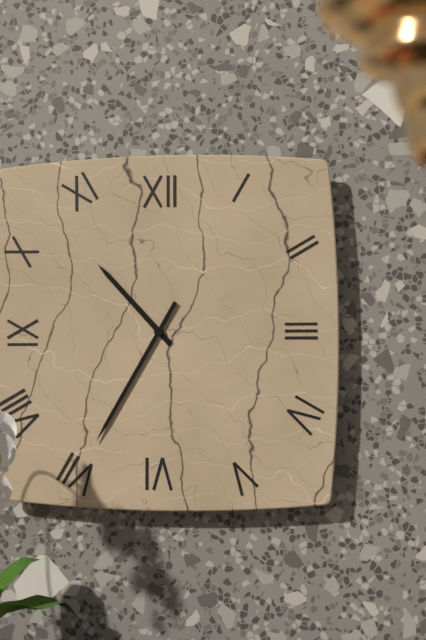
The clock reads **10:35**
